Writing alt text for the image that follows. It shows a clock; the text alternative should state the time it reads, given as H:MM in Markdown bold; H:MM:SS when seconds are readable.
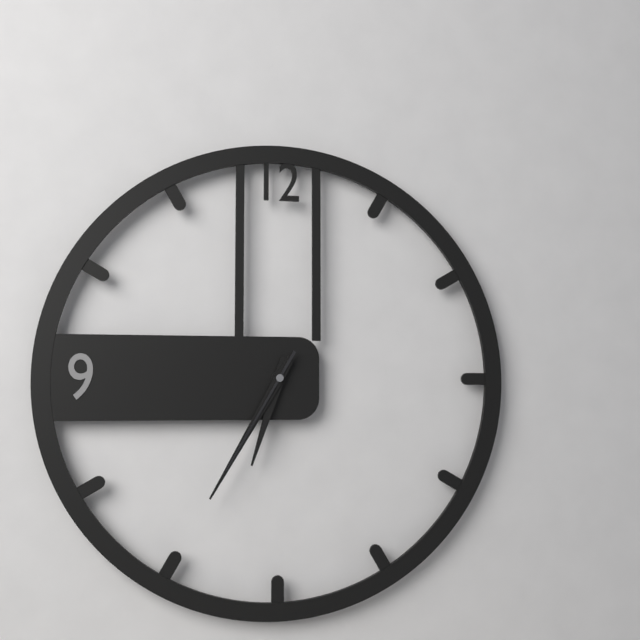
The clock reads **6:35:35**
